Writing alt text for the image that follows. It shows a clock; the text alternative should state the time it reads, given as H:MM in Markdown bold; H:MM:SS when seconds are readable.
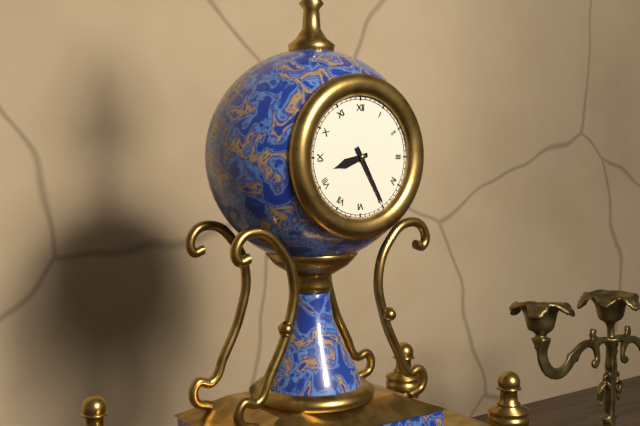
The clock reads **8:25**
